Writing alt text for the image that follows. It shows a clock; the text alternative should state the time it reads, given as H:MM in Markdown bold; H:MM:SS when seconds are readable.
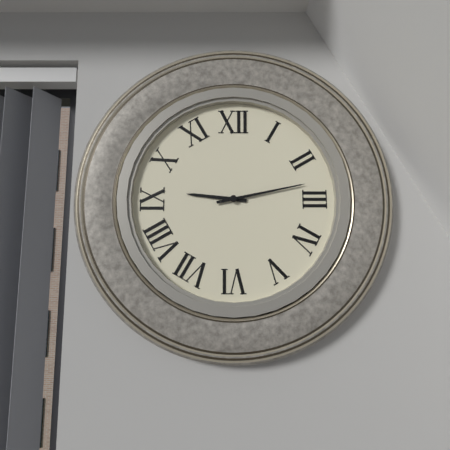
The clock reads **9:13**
